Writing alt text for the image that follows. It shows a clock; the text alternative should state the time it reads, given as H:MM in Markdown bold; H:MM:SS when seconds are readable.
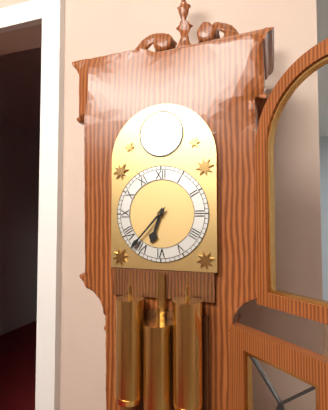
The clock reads **6:37**
